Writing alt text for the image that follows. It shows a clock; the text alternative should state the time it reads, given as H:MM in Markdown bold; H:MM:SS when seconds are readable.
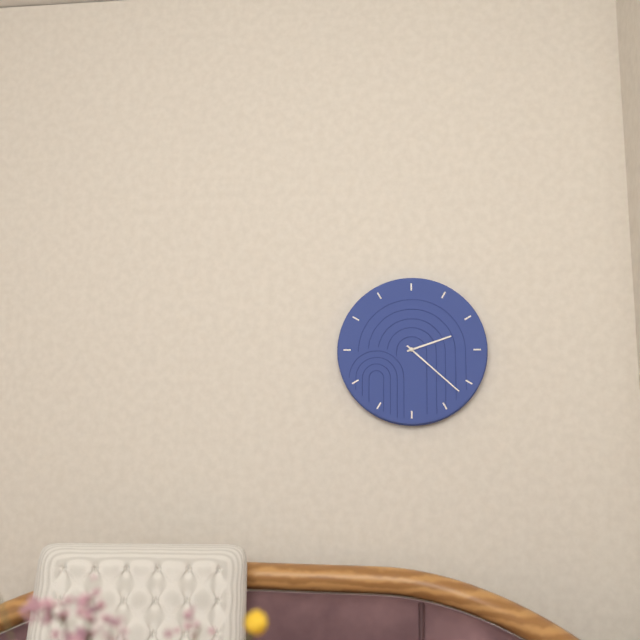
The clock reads **2:22**
